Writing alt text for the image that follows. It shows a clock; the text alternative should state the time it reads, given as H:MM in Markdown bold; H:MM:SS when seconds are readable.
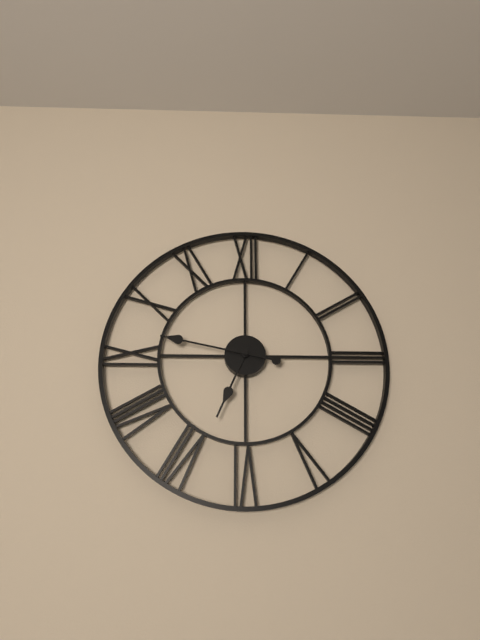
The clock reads **6:47**
